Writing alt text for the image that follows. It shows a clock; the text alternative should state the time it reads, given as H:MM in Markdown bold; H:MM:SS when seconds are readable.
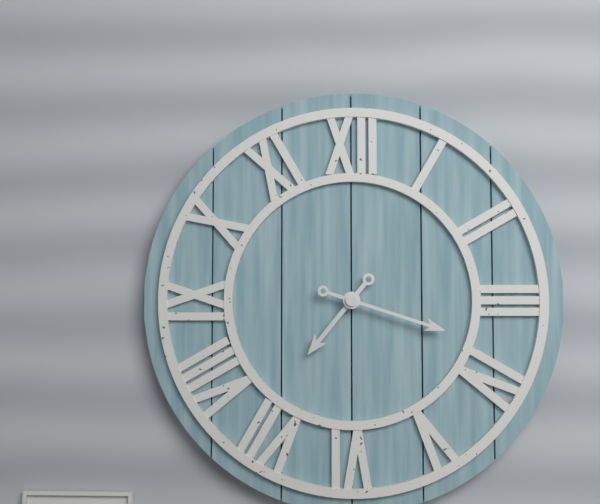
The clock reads **7:18**
